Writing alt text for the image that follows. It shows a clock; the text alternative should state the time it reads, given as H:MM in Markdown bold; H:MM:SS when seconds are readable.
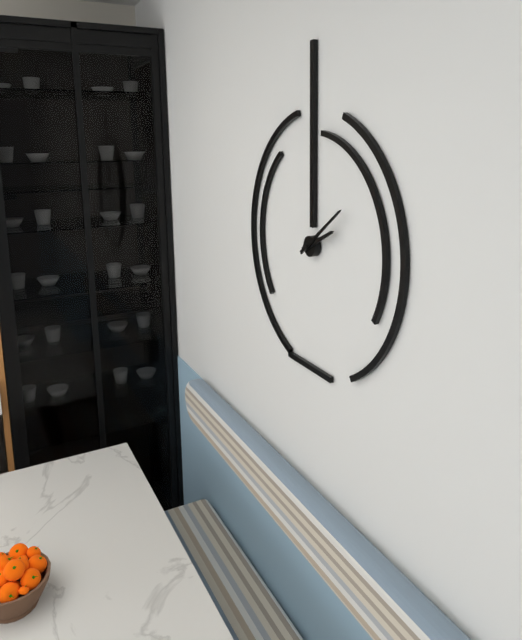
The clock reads **2:09**
